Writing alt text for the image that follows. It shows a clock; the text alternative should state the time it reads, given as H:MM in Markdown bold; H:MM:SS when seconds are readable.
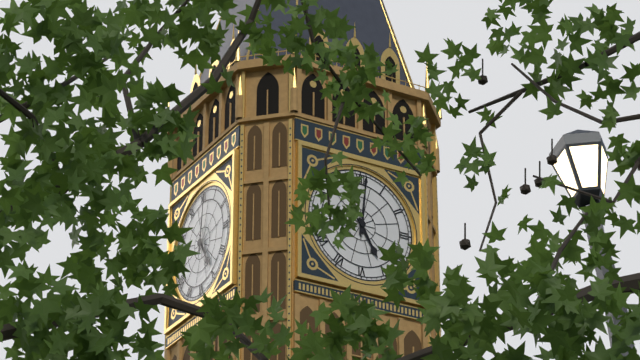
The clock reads **5:01**
